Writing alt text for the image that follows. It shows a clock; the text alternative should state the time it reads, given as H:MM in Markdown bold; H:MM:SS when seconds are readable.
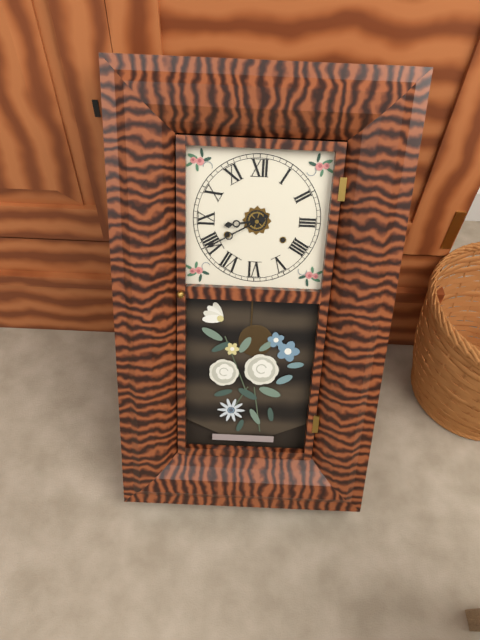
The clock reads **8:40**
